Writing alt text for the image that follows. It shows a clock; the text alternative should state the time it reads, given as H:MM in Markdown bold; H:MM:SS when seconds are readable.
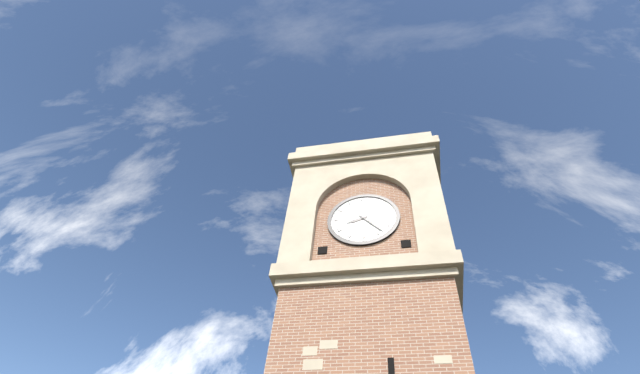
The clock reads **8:23**
